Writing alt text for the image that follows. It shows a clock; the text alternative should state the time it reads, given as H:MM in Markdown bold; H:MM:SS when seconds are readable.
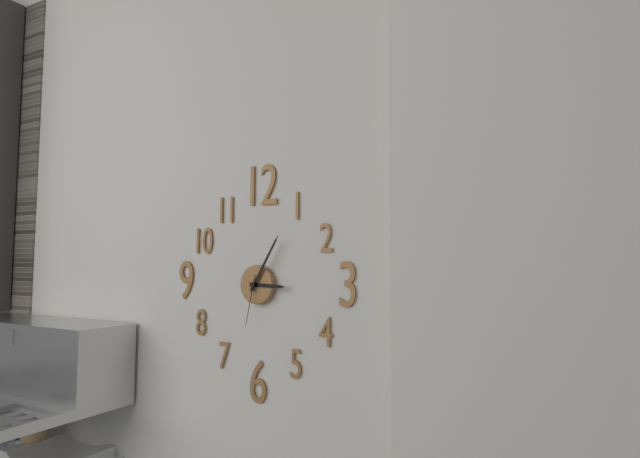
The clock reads **3:05:32**
